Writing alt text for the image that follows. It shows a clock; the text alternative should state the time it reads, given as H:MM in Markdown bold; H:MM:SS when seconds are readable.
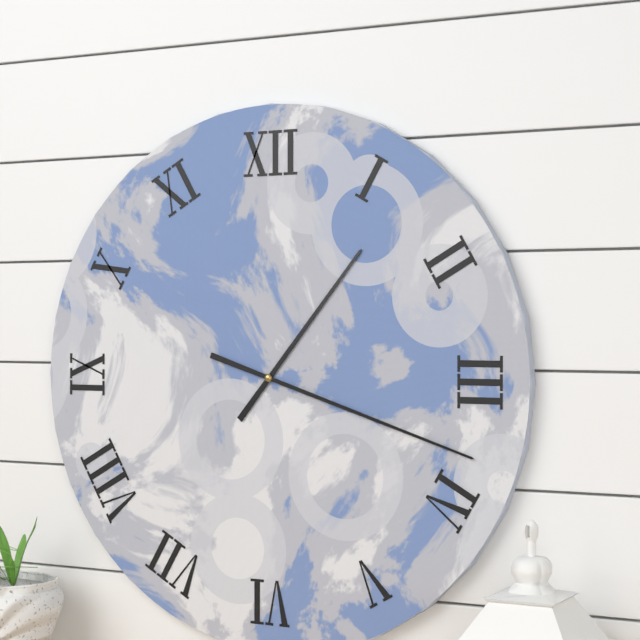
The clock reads **1:18**
